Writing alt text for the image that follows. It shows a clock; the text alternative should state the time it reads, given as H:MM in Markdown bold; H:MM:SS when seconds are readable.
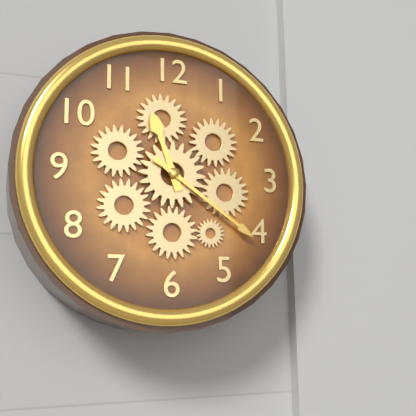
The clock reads **11:21**
